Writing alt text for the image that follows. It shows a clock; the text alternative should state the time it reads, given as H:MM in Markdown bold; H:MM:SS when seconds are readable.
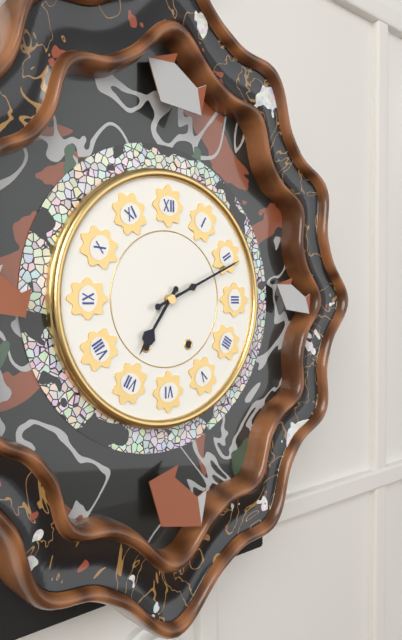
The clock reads **7:11**
